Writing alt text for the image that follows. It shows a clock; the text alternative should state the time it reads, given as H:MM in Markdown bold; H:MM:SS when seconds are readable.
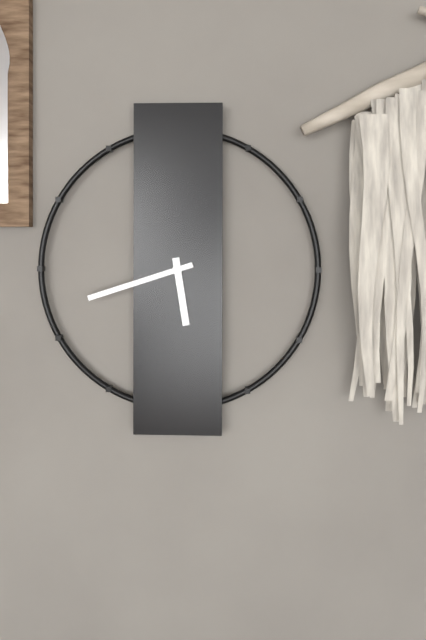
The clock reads **5:42**
